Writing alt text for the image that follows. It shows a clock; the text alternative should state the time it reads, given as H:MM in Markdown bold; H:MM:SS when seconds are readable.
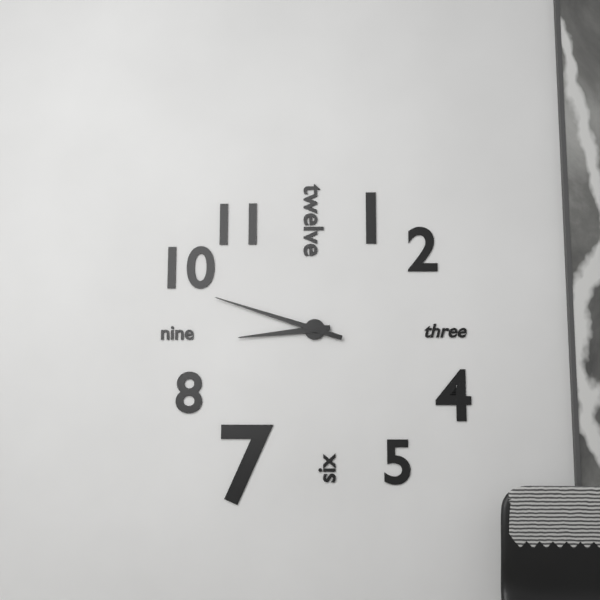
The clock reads **8:48**
